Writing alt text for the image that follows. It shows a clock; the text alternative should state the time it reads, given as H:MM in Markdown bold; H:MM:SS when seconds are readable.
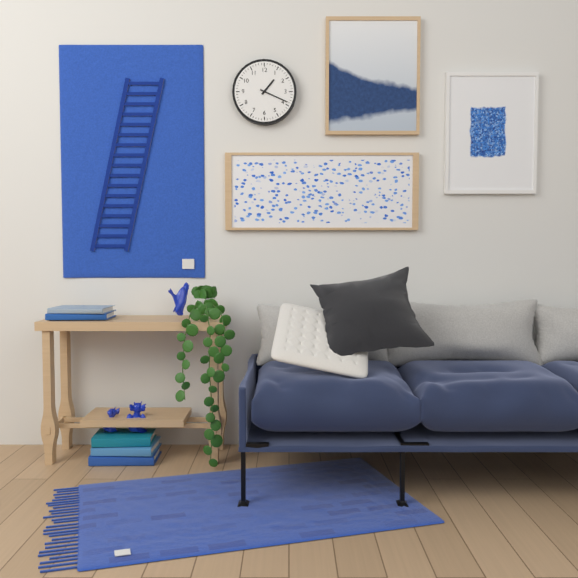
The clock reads **1:19**
